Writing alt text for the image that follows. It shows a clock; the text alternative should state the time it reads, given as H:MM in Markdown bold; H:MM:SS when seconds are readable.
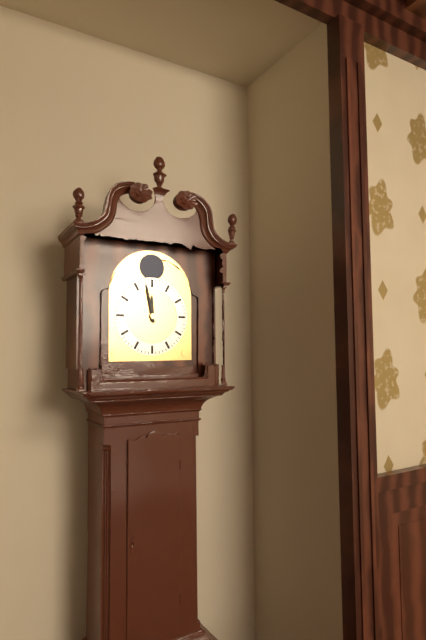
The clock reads **11:58**
